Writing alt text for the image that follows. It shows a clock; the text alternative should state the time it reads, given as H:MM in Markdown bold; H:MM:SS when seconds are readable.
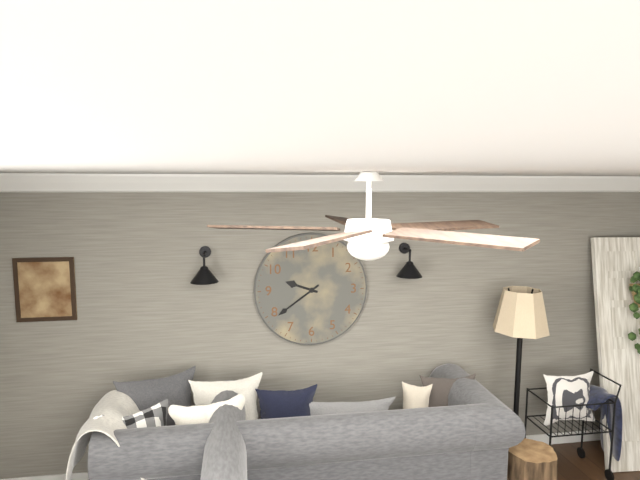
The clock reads **9:39**
